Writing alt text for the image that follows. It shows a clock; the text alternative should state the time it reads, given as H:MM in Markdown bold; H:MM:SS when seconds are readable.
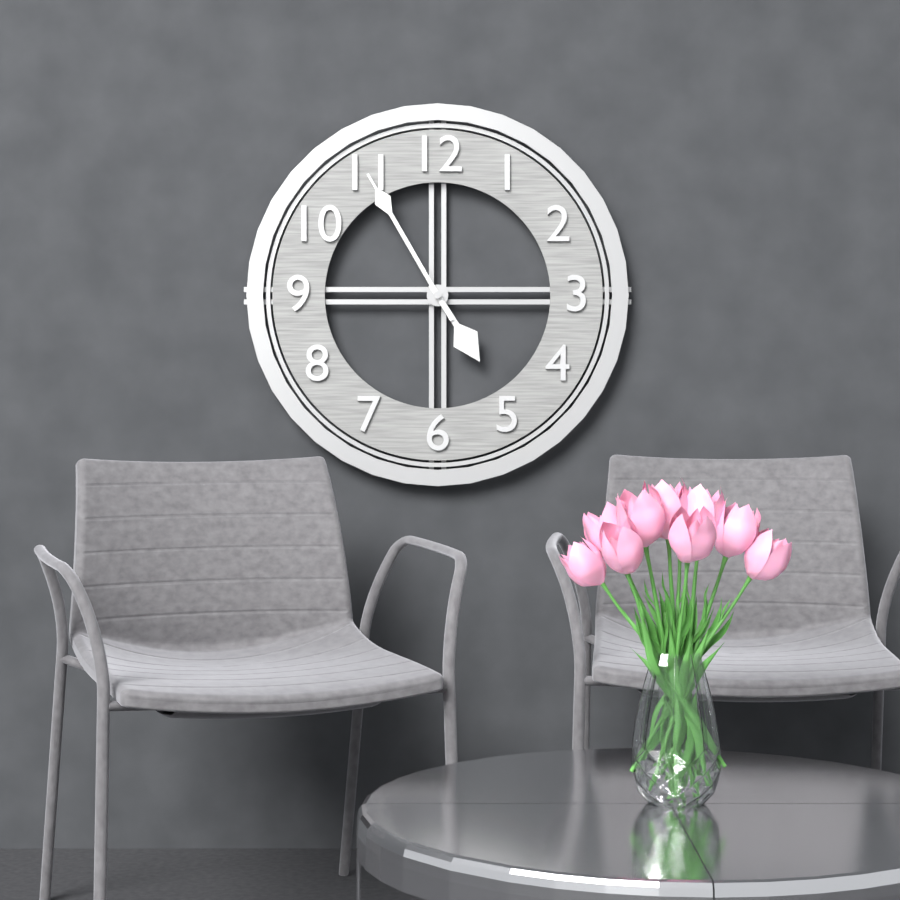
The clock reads **4:55**
